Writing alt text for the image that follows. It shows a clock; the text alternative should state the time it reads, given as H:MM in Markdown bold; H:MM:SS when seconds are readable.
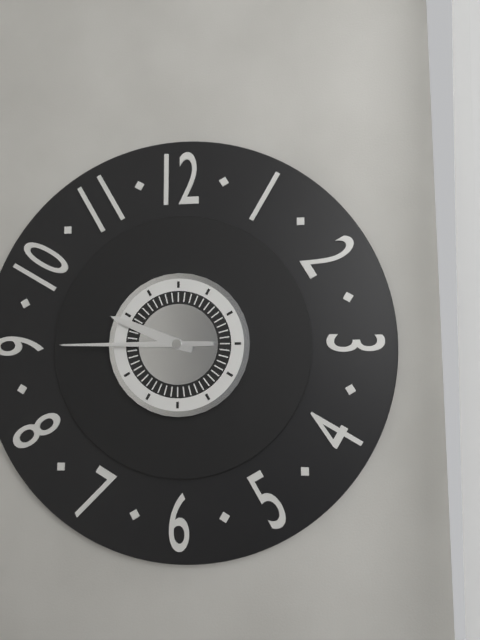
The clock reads **9:45**
